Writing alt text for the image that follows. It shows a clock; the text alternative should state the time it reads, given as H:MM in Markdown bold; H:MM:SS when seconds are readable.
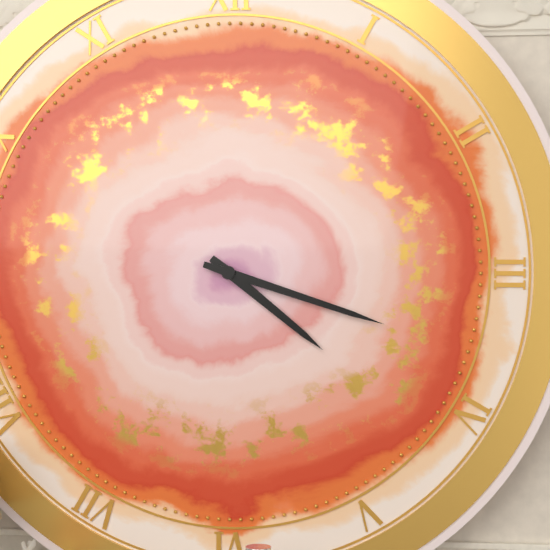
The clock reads **4:18**
